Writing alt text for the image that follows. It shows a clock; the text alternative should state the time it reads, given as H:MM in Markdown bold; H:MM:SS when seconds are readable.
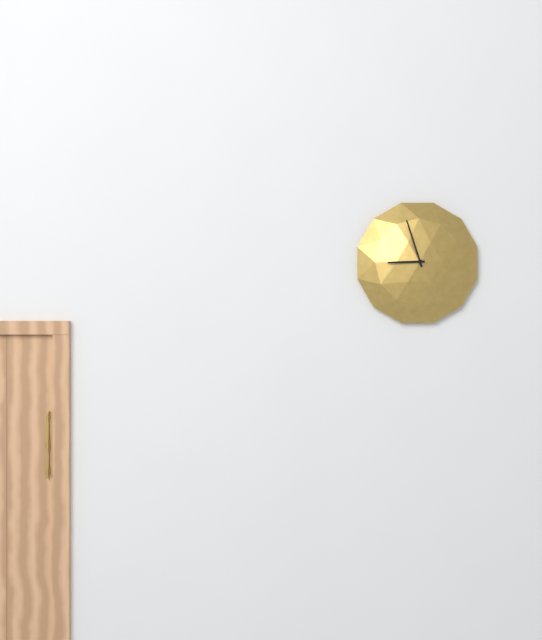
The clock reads **8:57**
